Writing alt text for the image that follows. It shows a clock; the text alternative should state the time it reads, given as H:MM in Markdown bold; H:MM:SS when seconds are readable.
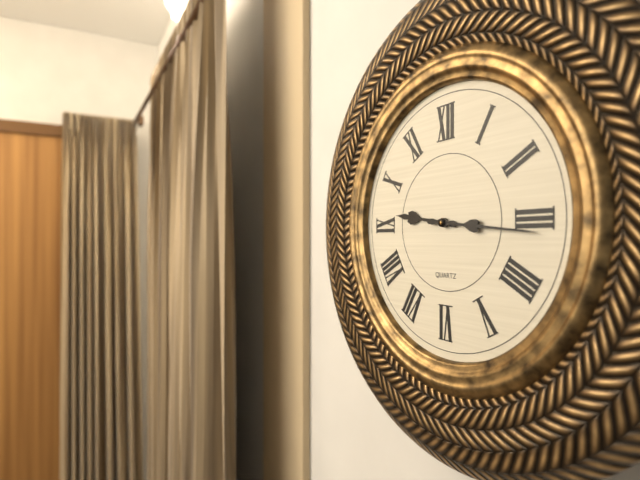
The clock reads **9:16**
